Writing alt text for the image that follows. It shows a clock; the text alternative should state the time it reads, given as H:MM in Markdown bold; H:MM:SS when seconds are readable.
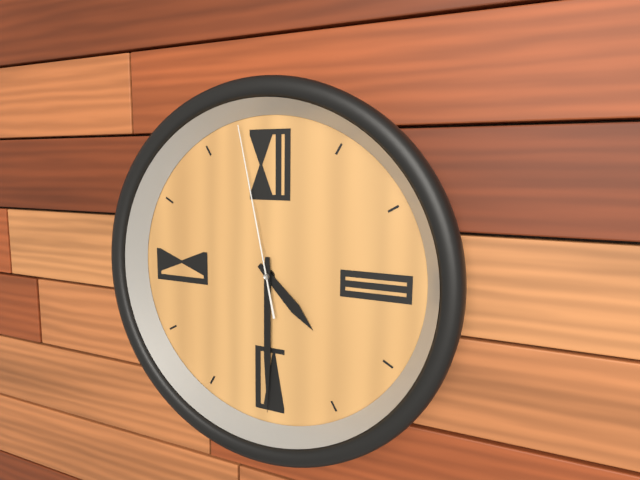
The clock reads **4:30:58**
